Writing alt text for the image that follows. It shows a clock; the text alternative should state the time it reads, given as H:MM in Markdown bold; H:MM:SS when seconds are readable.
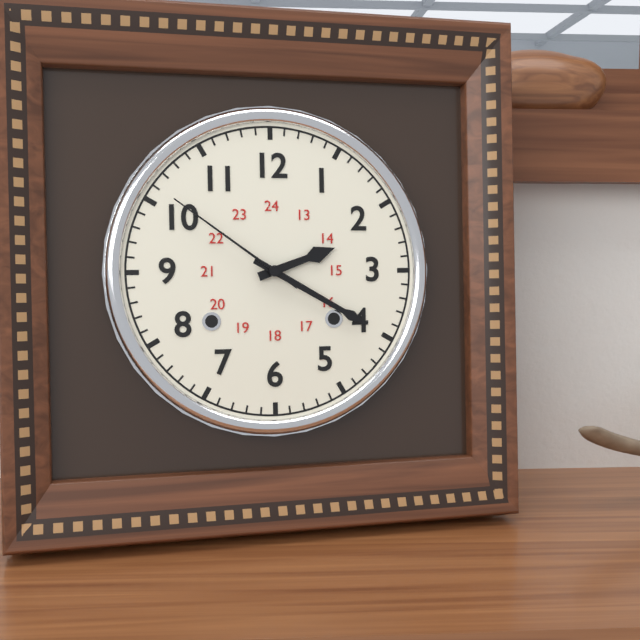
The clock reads **2:20:51**
